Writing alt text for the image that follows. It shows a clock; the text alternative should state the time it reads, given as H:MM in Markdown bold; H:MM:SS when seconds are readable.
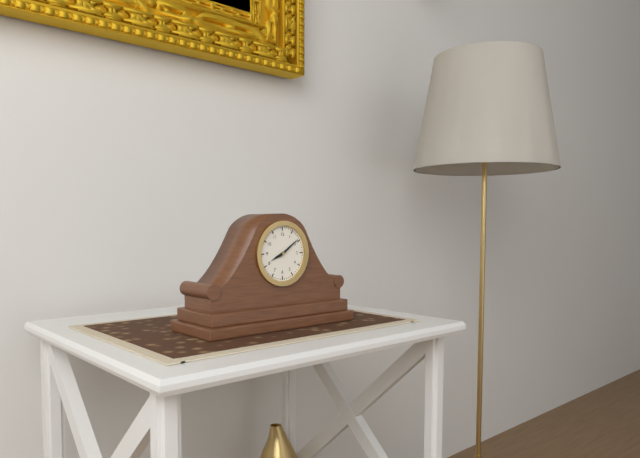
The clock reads **8:09**
